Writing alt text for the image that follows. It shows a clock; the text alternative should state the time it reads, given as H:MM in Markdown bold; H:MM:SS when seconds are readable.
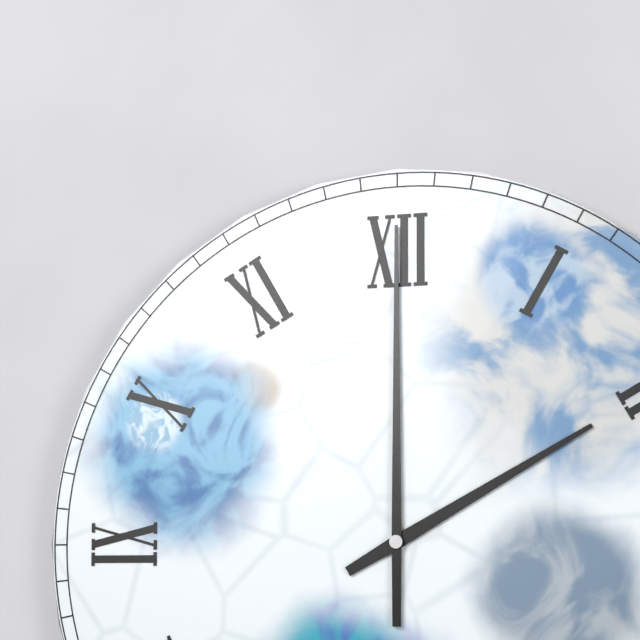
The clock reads **2:00**
